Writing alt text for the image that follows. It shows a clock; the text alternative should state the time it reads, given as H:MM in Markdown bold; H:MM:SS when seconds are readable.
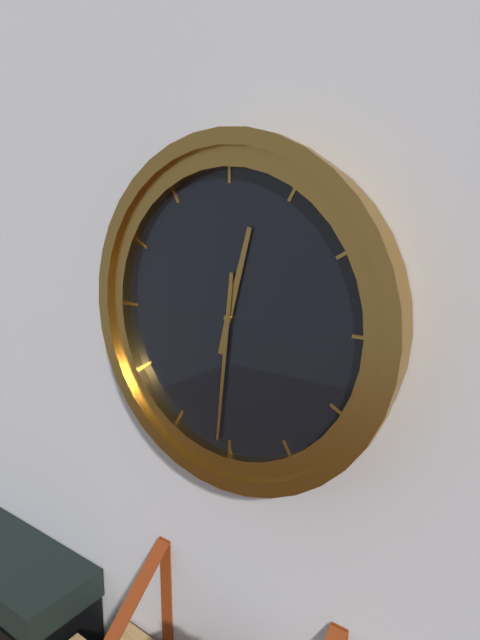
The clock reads **12:31**
